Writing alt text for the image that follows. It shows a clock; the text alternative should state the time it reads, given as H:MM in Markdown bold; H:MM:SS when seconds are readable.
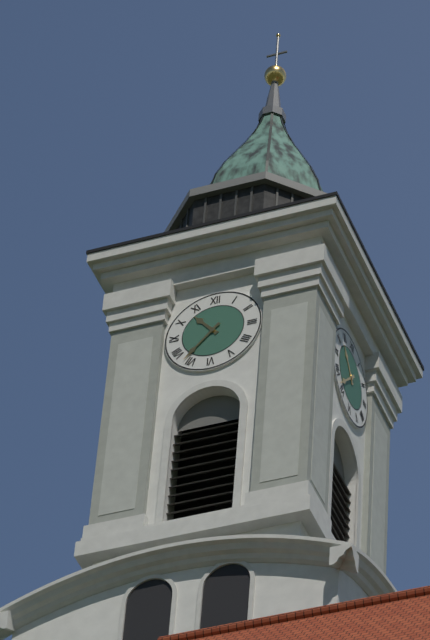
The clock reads **10:37**
